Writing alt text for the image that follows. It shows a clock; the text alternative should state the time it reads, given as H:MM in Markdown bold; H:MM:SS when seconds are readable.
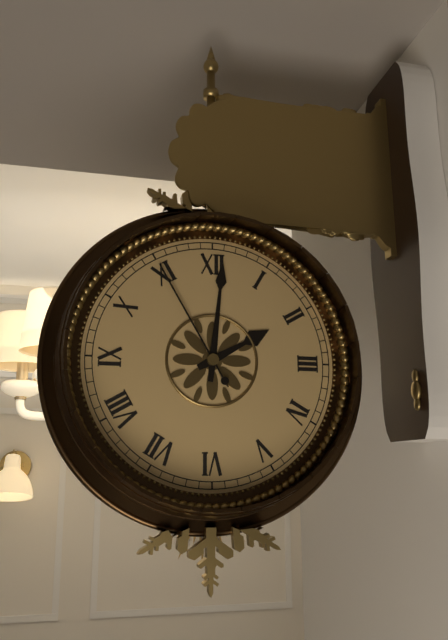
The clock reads **2:01:55**
